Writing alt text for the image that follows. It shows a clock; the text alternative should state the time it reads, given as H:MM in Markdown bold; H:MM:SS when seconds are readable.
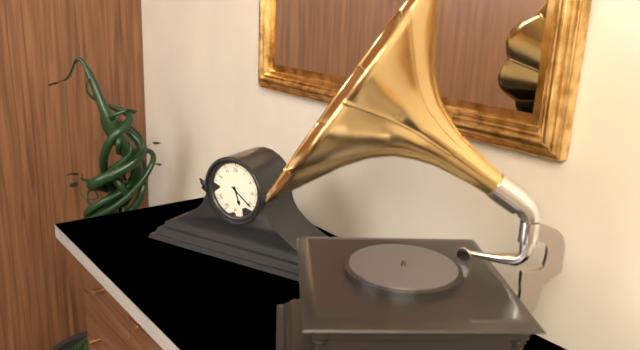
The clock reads **5:21**
